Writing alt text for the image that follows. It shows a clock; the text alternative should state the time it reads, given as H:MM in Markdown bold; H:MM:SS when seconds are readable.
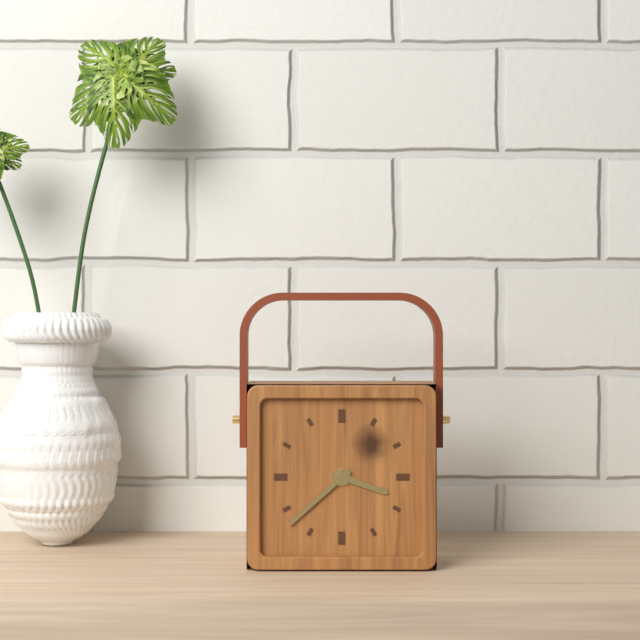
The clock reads **3:38**
